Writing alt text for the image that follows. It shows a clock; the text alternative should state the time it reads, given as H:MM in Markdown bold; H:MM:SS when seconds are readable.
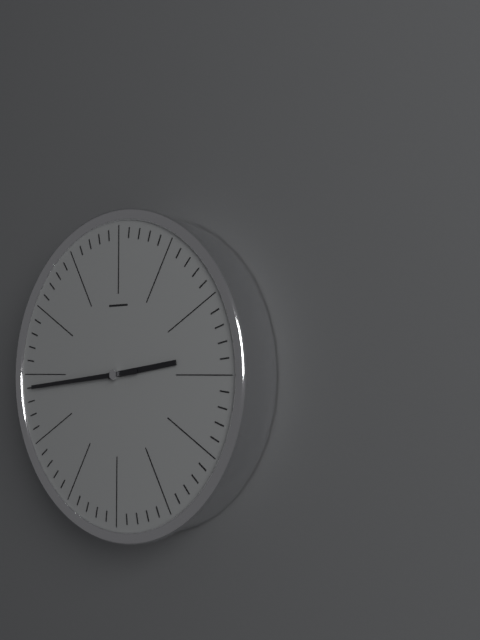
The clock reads **2:44**
